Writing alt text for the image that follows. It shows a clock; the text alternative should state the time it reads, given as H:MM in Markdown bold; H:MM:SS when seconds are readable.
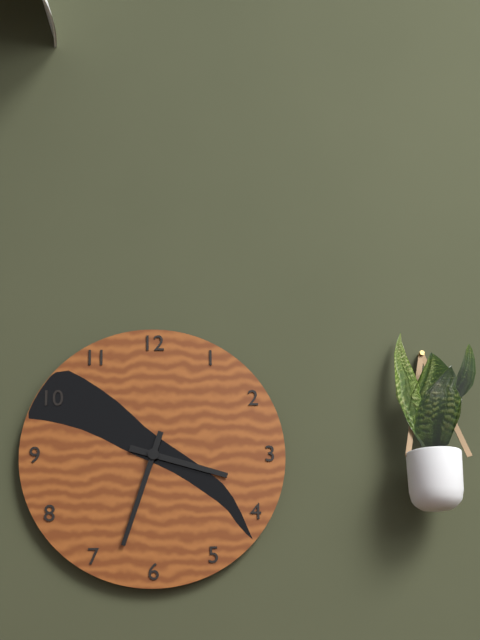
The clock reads **3:33**
